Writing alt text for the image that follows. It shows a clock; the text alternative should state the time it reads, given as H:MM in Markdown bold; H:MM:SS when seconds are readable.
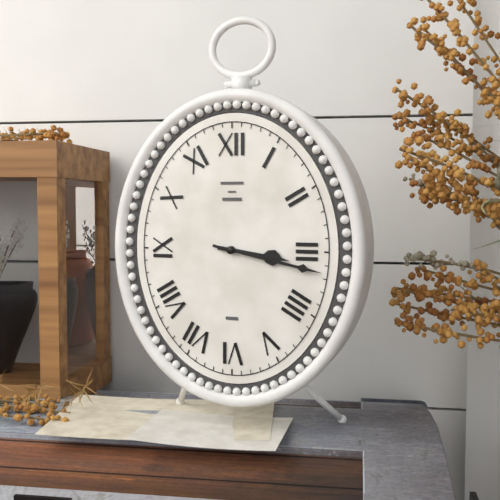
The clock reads **3:17**
